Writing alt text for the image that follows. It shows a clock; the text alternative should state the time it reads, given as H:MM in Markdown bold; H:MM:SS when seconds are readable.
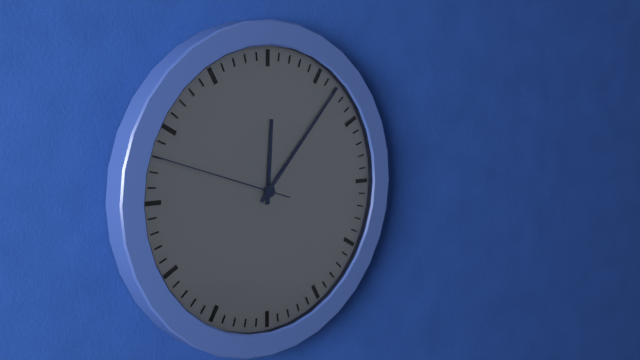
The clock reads **12:07:48**
